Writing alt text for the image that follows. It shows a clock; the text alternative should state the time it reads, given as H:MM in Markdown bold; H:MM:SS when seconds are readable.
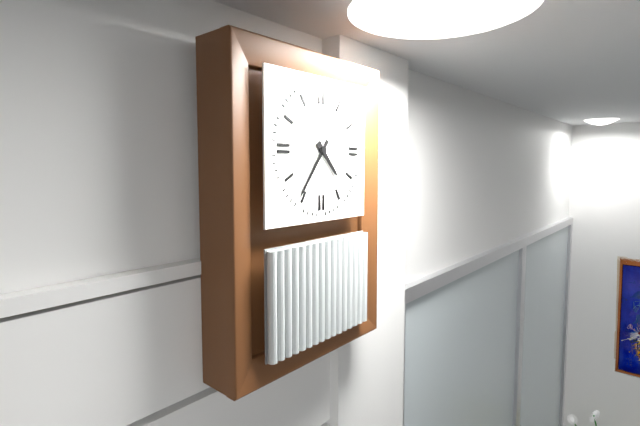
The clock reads **4:36**
